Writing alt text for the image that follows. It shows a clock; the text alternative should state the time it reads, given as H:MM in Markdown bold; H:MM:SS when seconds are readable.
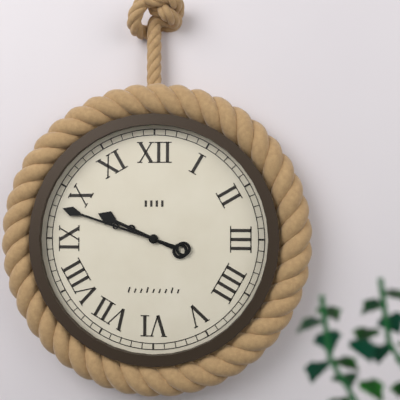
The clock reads **9:48**
